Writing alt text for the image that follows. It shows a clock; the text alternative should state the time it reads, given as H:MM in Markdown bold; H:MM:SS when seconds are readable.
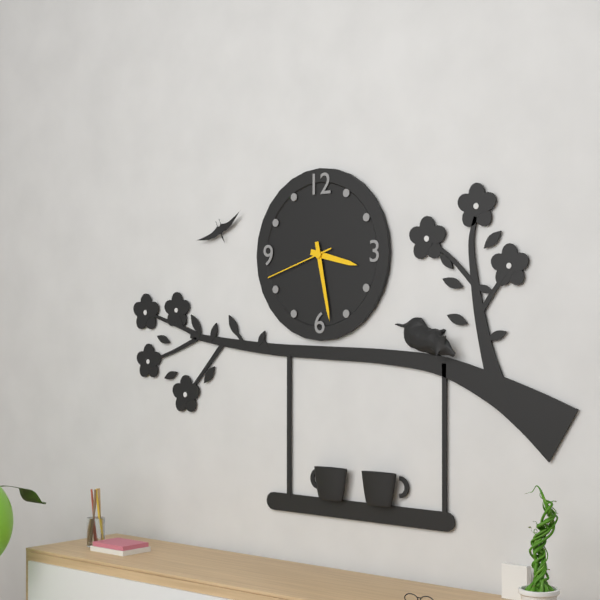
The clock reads **3:28:42**
